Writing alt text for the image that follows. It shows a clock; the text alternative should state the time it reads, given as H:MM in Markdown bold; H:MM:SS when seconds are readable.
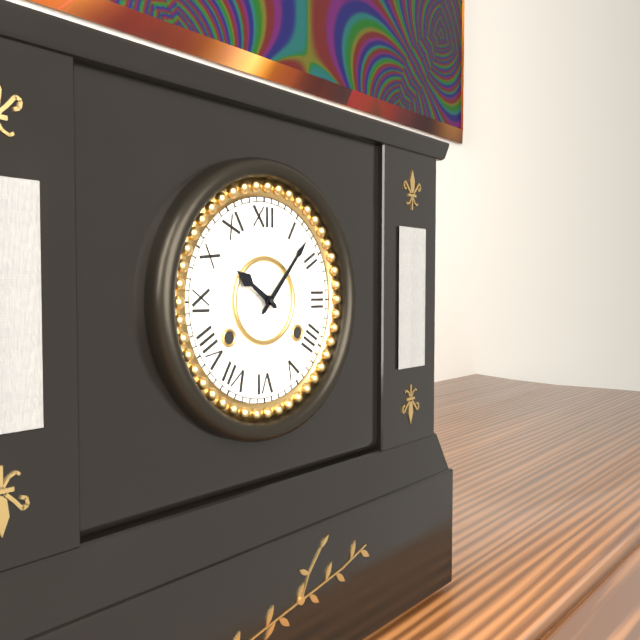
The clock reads **10:07**
